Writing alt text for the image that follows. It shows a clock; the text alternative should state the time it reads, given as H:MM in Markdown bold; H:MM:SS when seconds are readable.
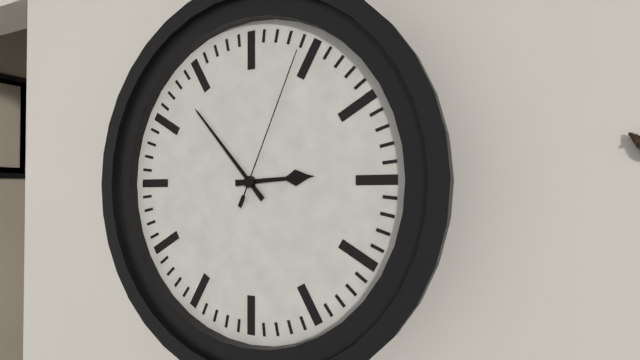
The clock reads **2:53:04**
